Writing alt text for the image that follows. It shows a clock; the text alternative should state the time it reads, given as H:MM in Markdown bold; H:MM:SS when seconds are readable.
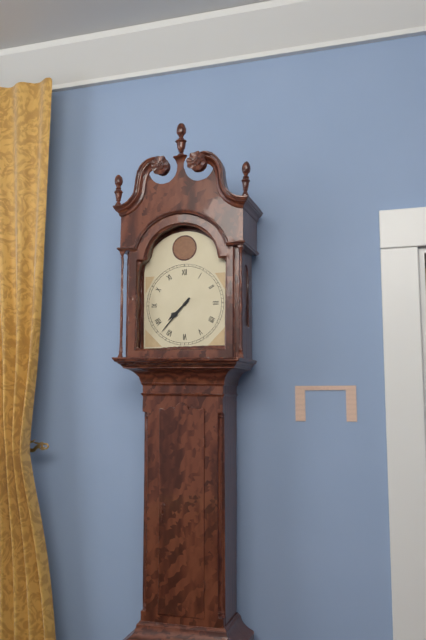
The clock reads **7:37**
